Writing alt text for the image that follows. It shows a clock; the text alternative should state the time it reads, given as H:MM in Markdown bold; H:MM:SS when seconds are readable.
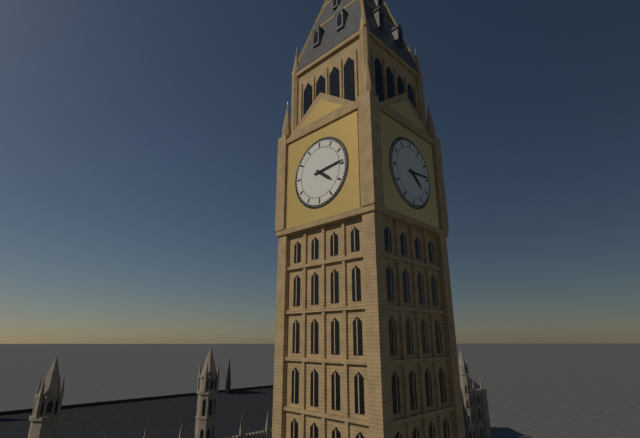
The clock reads **4:14**
